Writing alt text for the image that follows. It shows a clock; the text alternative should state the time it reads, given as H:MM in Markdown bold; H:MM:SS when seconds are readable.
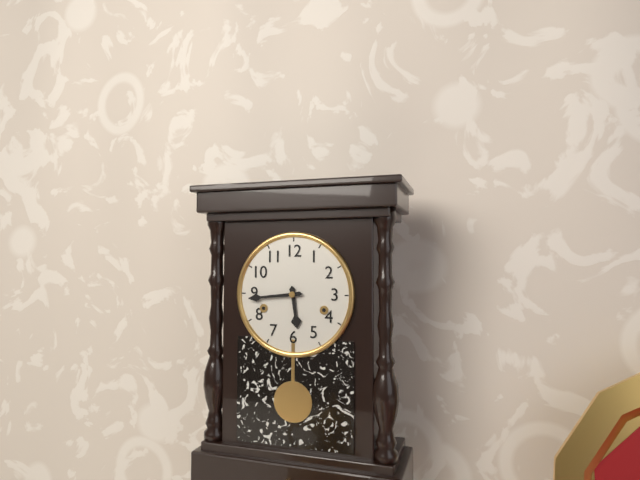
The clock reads **5:44**
